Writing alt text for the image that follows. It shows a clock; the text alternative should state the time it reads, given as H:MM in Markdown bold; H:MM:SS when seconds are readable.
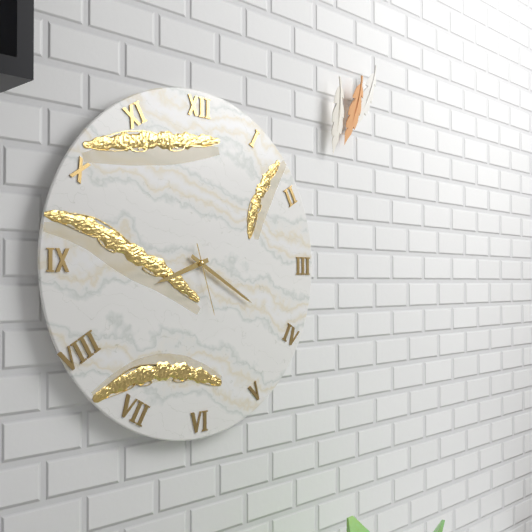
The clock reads **8:20:27**
